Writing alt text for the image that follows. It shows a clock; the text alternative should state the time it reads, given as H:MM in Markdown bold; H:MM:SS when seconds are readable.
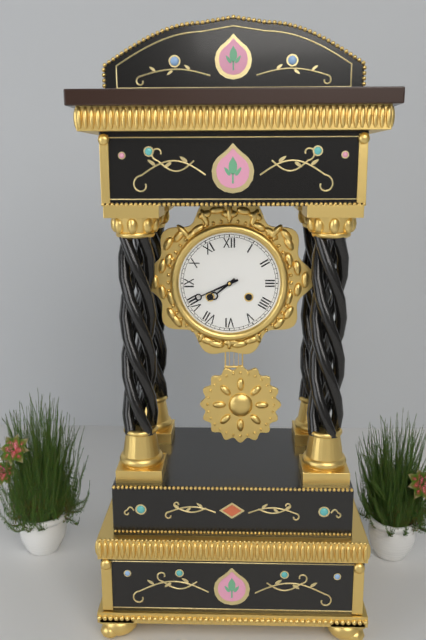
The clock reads **7:41**
